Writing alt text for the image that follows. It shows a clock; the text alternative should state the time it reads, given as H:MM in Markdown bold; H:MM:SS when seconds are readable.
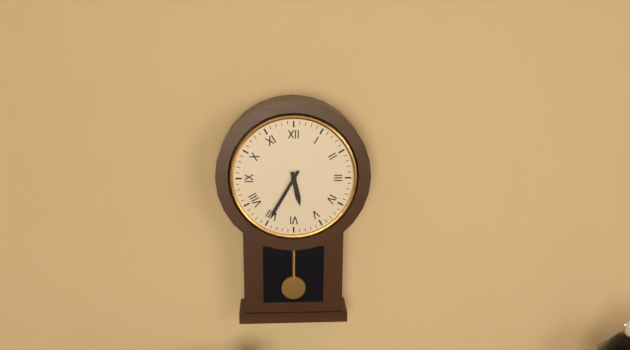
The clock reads **5:35**
